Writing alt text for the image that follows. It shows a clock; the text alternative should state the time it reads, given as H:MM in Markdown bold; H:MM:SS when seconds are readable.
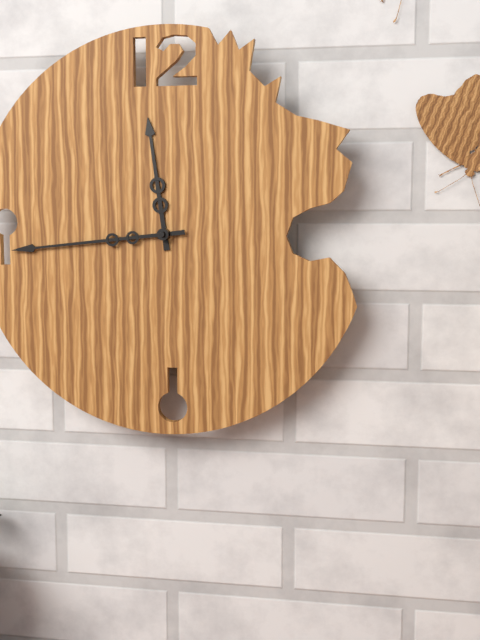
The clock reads **11:44**
